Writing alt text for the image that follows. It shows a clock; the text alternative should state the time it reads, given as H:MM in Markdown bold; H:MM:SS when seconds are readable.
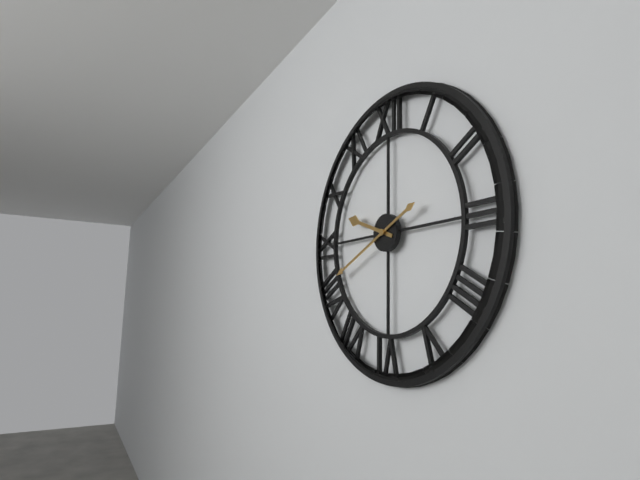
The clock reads **9:41**
